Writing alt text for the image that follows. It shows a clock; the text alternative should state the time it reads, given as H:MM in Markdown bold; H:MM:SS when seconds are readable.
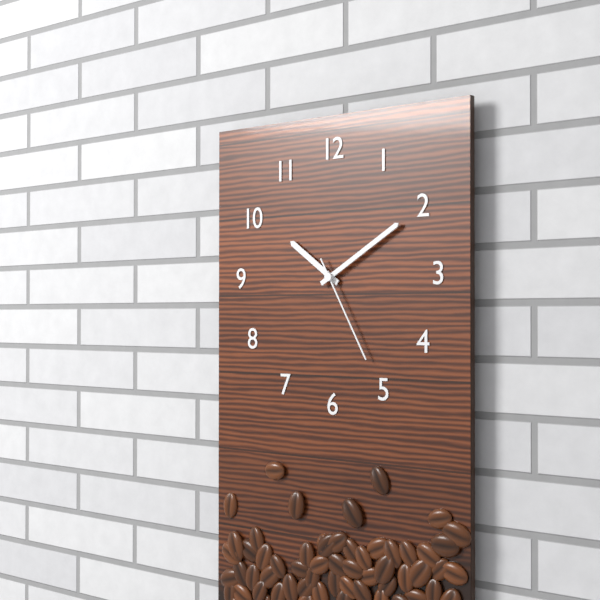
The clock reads **10:10:25**
